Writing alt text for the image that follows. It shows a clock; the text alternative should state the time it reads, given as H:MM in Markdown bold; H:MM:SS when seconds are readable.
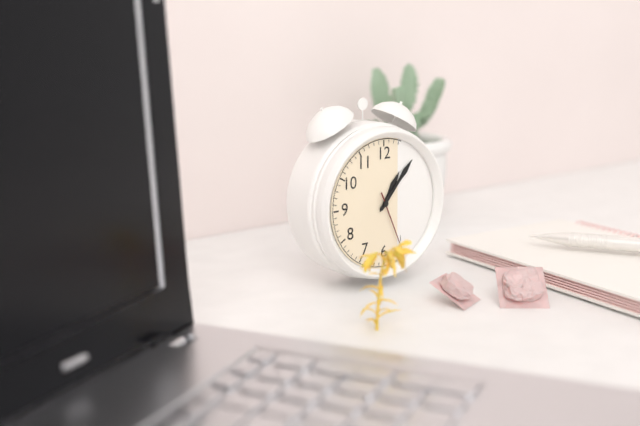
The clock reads **1:07:26**
